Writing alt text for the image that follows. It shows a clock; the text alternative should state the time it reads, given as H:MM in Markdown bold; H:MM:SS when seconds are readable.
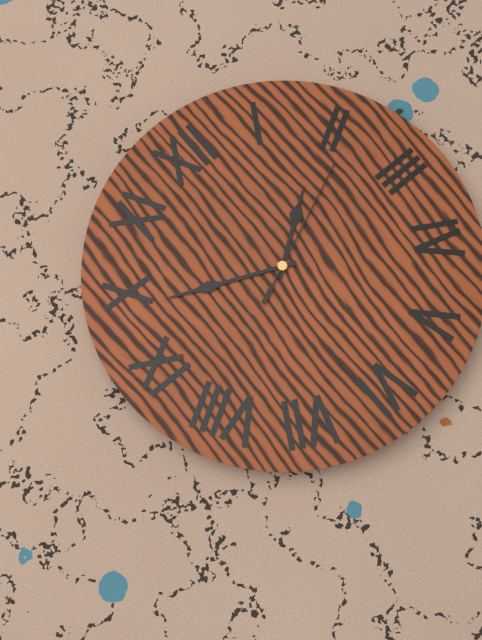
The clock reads **1:49:11**
